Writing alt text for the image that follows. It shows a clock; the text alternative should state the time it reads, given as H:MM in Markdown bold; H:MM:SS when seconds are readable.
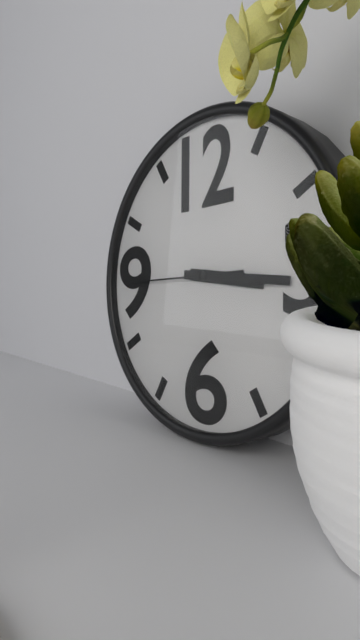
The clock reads **3:16:45**
